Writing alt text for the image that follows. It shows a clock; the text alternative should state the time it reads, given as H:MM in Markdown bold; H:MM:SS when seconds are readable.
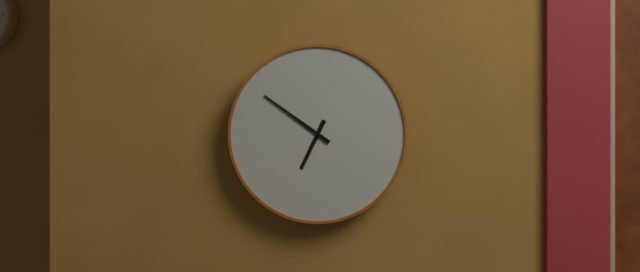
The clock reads **6:51**
